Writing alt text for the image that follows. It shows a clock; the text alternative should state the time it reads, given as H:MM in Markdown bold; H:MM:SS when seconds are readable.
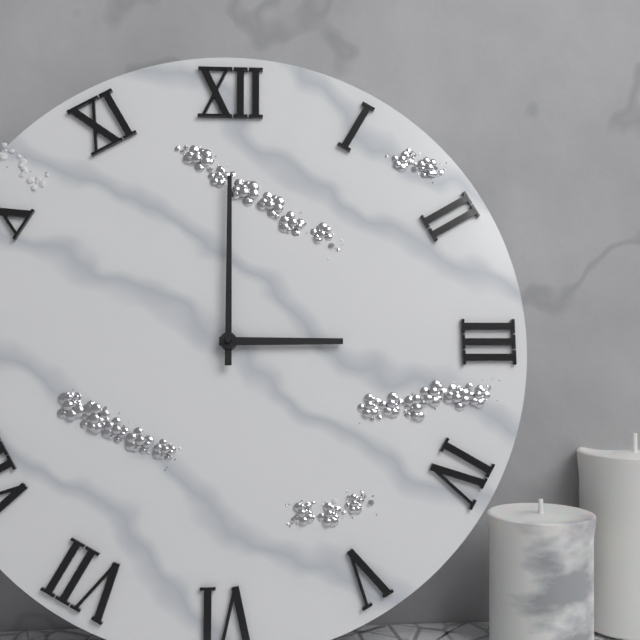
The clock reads **3:00**
